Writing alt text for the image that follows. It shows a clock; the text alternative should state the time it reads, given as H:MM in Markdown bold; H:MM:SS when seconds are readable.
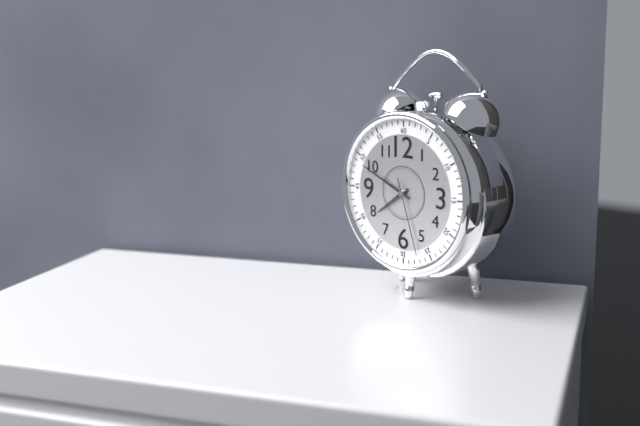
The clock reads **7:49:27**
